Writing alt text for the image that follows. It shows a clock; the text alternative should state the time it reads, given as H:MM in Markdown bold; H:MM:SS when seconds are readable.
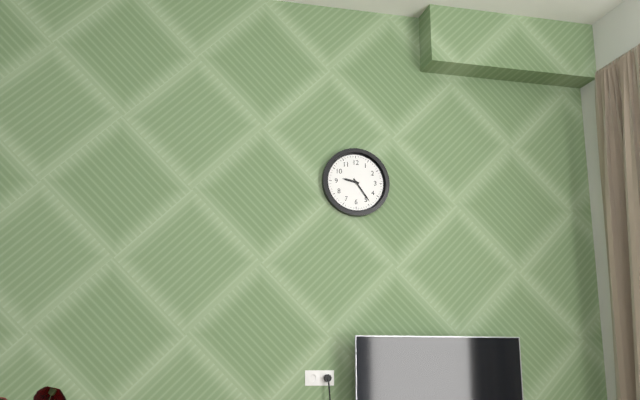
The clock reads **9:24**
